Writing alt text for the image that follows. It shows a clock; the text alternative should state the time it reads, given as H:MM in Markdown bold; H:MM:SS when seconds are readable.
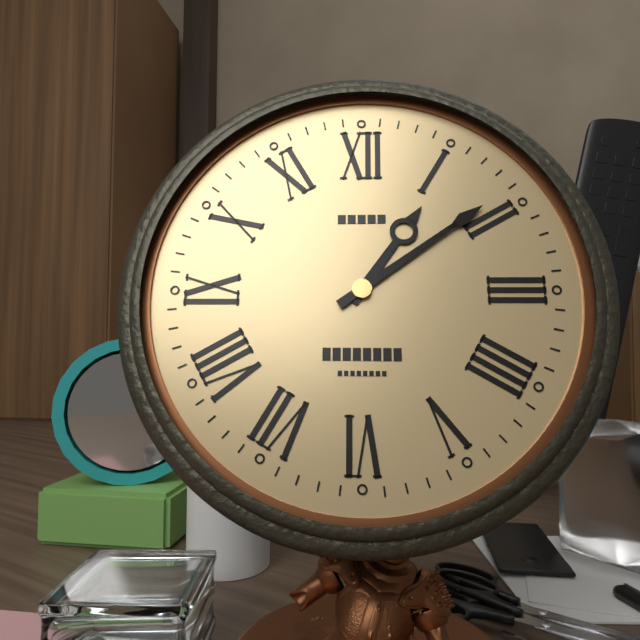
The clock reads **1:09**
